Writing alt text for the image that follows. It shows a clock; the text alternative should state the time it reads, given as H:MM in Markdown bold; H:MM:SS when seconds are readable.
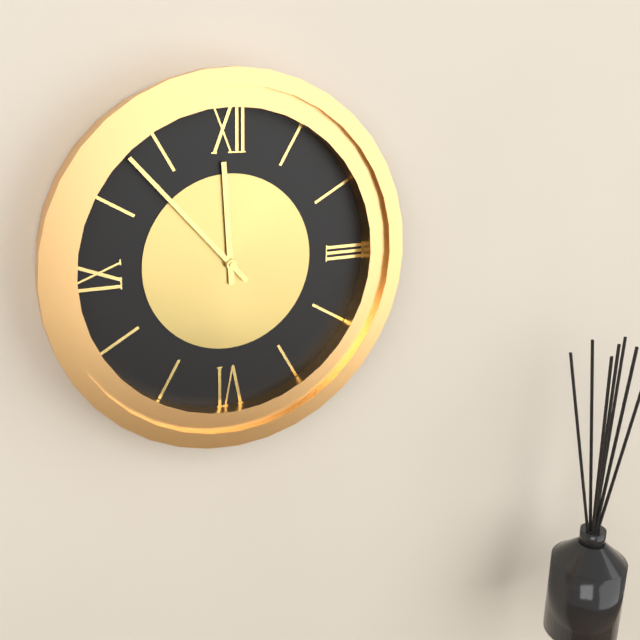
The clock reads **11:53**
